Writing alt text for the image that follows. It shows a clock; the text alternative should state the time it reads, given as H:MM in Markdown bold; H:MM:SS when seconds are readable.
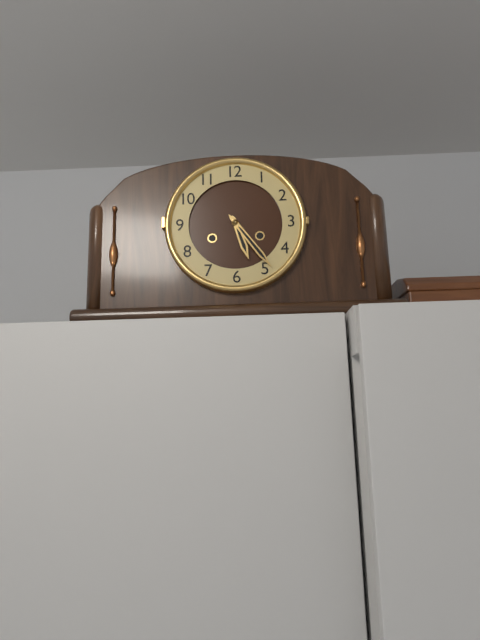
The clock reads **5:24**
